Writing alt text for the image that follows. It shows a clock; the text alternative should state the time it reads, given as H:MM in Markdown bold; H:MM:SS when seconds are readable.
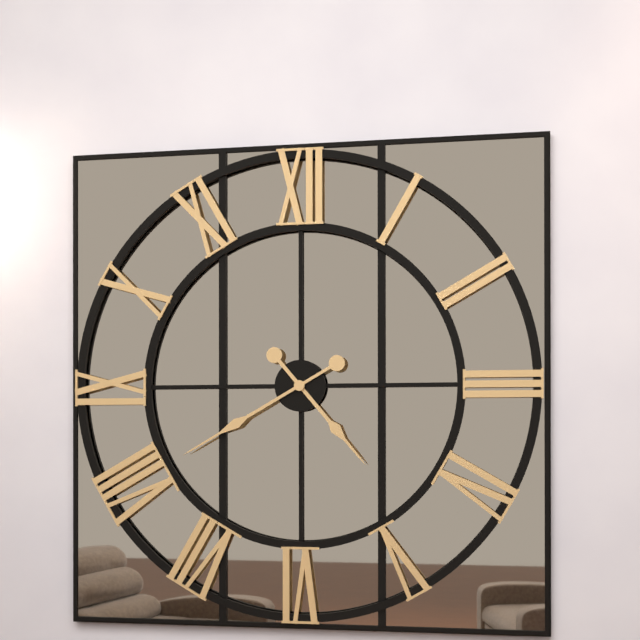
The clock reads **4:40**
